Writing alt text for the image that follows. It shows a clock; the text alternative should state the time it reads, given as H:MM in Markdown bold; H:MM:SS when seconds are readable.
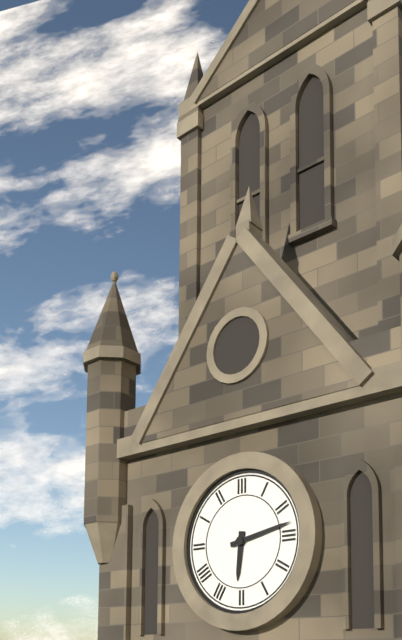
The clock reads **6:13**
